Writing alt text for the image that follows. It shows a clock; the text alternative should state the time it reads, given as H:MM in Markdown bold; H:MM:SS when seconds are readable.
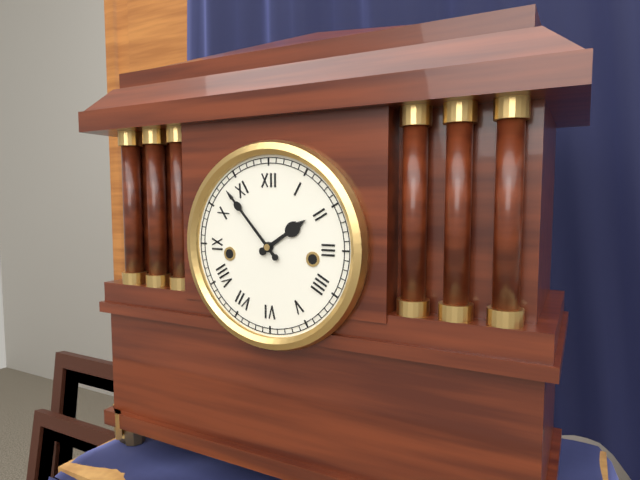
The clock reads **1:53**
